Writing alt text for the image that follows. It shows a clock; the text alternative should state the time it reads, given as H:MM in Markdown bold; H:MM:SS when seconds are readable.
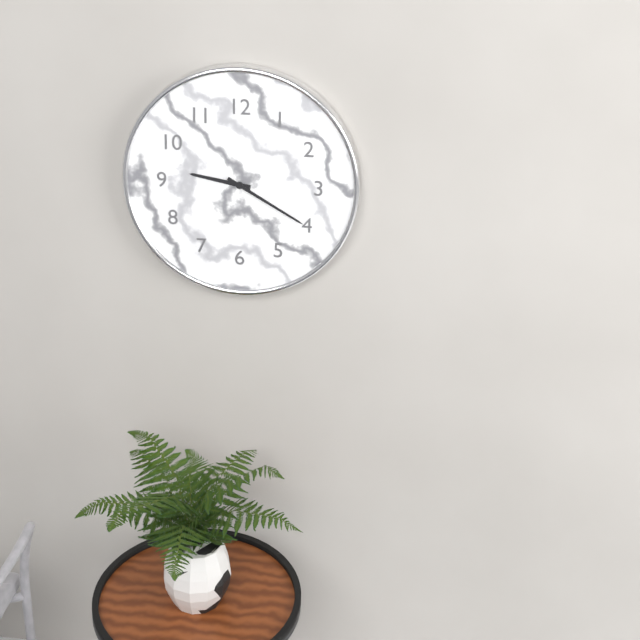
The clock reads **9:20**
